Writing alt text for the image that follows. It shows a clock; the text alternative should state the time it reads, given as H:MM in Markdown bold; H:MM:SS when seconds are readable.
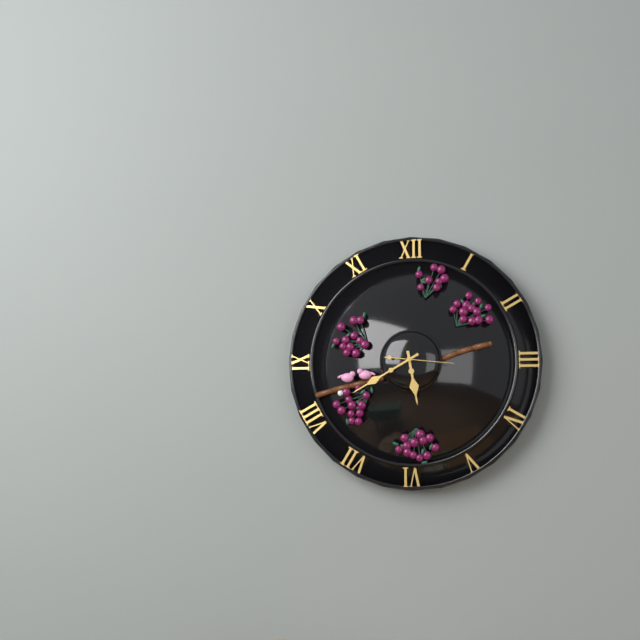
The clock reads **5:40:16**
